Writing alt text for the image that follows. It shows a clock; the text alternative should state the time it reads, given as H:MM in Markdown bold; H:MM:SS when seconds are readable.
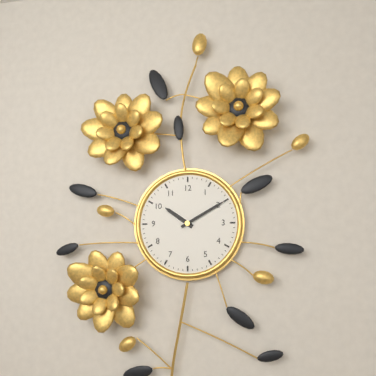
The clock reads **10:10**
